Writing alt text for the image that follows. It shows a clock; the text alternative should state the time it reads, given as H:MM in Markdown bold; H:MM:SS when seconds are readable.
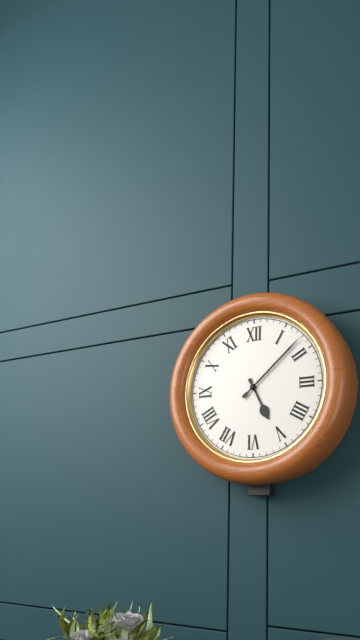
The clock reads **5:08**
